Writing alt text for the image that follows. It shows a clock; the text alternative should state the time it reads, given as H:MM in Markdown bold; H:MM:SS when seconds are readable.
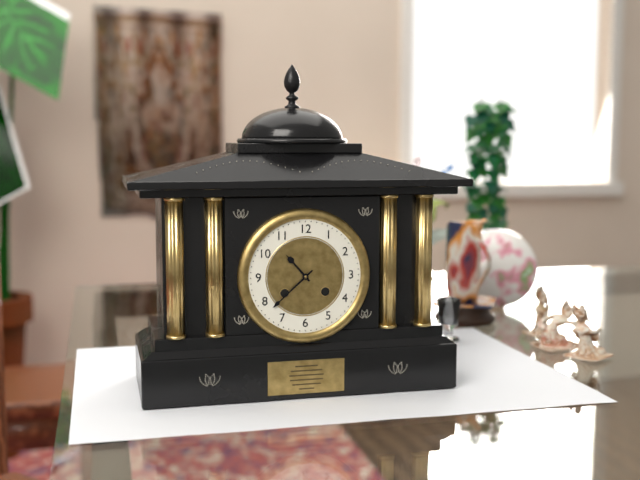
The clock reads **10:38**
